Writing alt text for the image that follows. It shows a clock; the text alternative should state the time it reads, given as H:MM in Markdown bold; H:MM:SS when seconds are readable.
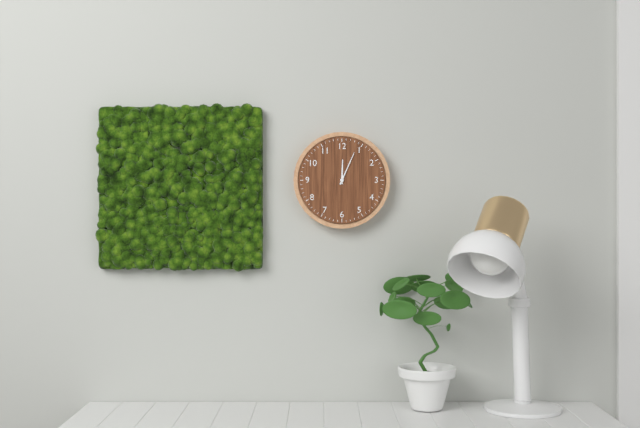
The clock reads **12:04**
